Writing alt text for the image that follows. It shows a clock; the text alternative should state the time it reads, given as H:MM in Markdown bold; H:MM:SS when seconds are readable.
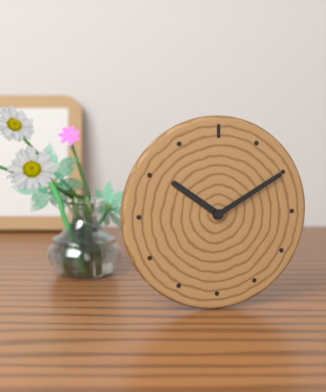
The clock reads **10:10**
